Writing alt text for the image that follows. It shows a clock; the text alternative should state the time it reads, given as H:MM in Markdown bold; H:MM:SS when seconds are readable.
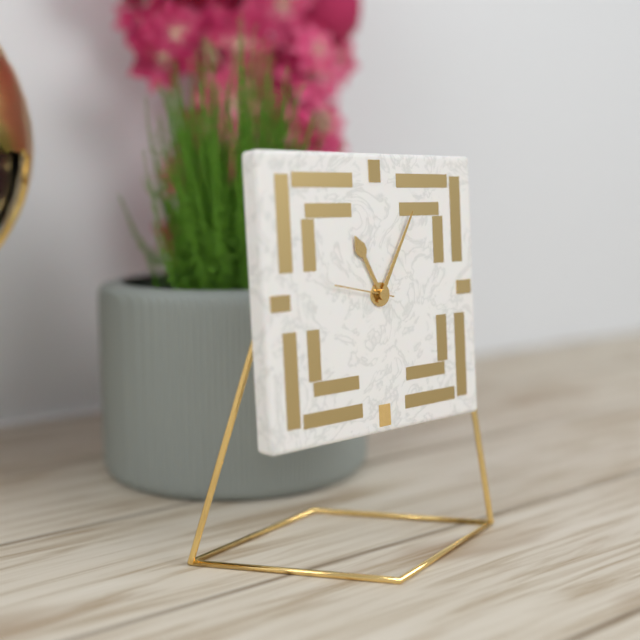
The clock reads **11:05**
